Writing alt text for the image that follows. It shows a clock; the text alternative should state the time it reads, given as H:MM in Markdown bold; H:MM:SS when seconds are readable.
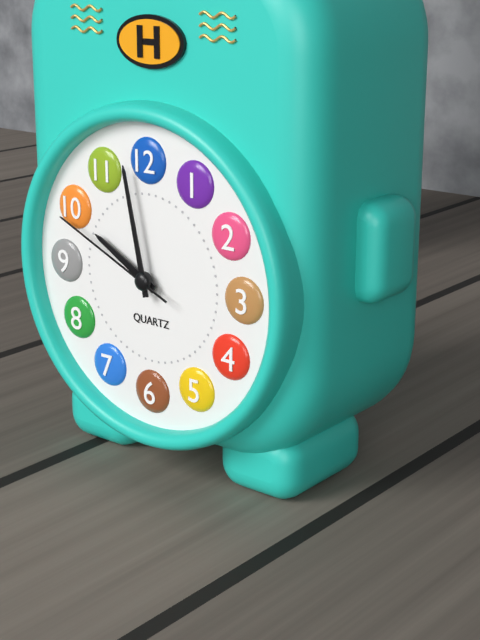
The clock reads **9:58:49**
